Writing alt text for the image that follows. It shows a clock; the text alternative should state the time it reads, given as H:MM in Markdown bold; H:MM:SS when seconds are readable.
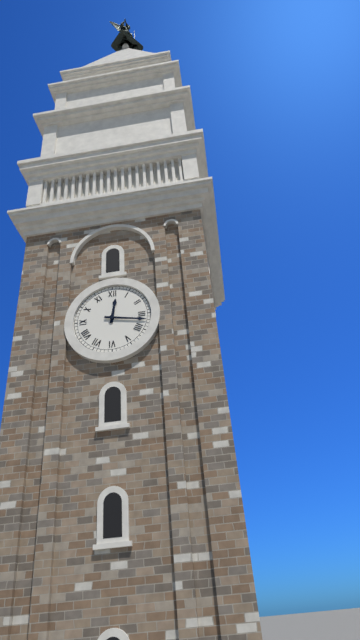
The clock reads **12:17**
